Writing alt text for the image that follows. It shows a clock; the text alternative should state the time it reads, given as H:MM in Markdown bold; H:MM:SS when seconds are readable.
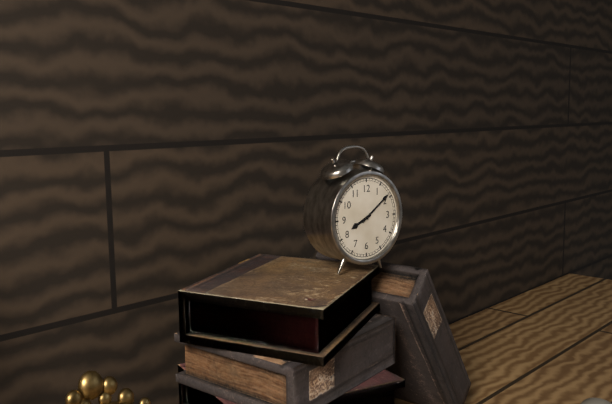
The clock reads **8:09**
